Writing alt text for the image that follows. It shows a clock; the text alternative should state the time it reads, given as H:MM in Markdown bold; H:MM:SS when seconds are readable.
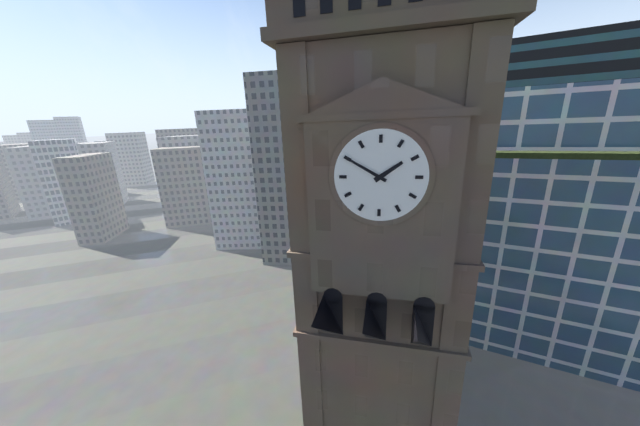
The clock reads **1:50**
